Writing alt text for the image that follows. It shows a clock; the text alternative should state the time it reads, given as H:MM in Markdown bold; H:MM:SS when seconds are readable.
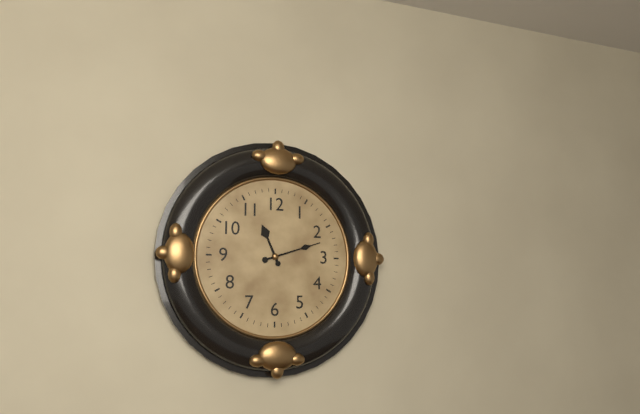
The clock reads **11:12**
